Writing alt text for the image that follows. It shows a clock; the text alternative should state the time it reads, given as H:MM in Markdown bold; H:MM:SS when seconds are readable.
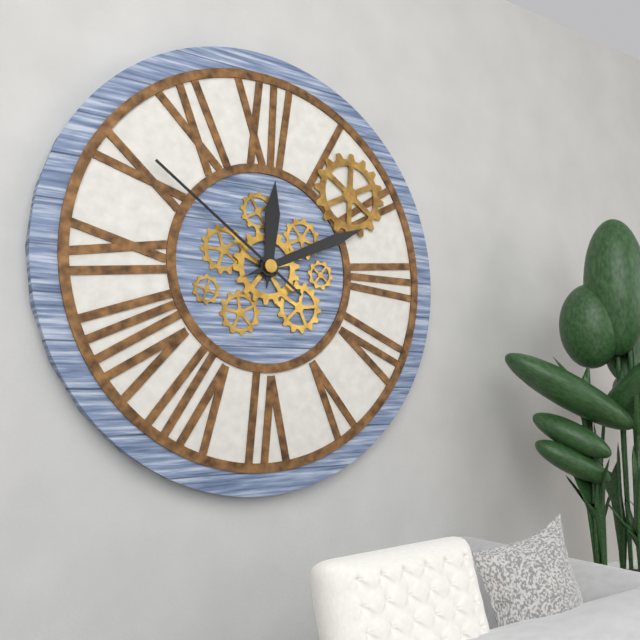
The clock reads **12:11:51**
